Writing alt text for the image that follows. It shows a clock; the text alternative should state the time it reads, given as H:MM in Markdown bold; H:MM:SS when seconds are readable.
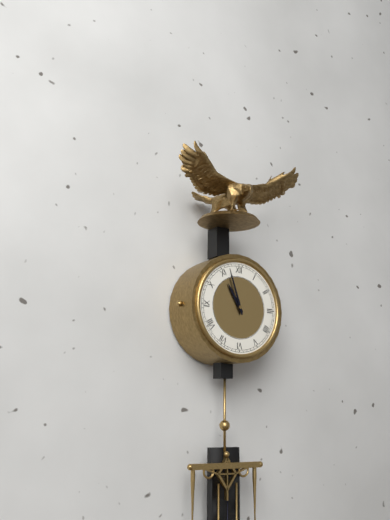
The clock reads **10:57**
